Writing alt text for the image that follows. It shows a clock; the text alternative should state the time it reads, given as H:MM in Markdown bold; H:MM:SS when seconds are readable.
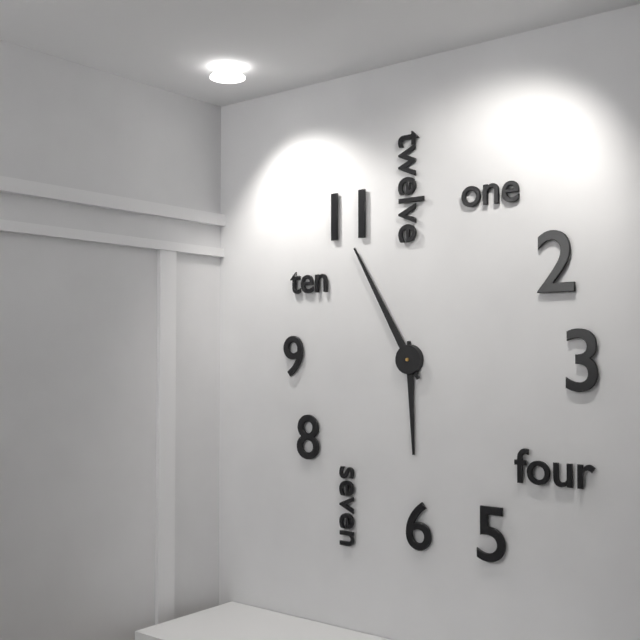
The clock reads **5:55**
